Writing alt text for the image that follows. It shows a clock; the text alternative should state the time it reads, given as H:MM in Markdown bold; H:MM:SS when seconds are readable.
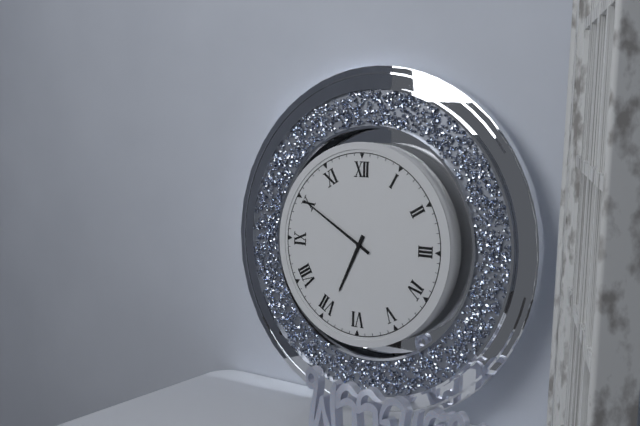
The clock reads **6:50**
